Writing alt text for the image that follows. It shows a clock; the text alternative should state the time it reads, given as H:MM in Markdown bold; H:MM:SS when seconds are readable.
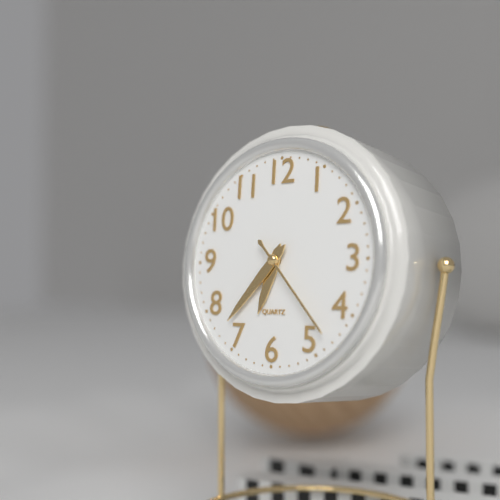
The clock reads **6:37:23**
